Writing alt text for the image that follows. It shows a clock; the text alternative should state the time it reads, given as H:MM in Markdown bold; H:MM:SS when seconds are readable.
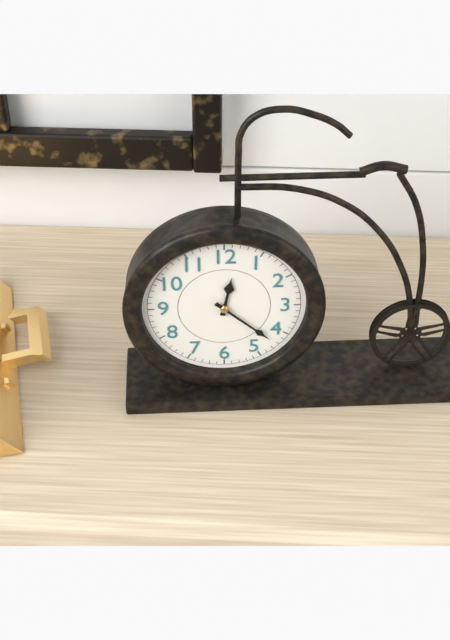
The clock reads **12:22**
